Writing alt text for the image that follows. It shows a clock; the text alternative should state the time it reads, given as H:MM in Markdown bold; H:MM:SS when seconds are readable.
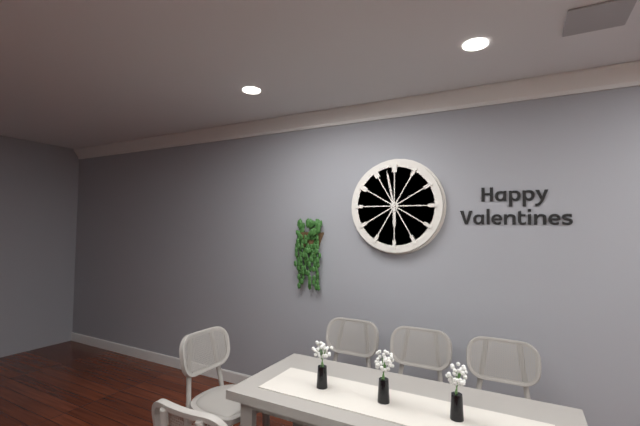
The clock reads **5:58**
